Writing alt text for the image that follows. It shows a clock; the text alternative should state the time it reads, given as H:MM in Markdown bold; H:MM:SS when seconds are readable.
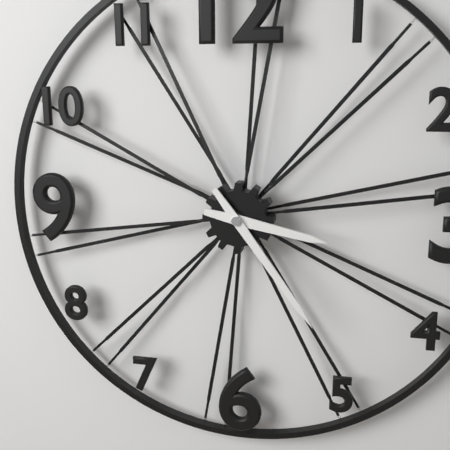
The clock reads **3:24**
